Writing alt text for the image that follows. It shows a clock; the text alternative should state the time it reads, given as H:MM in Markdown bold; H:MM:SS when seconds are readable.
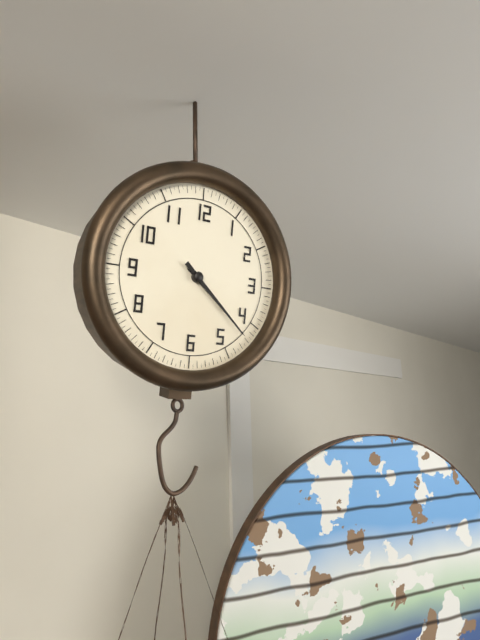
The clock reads **4:22**
